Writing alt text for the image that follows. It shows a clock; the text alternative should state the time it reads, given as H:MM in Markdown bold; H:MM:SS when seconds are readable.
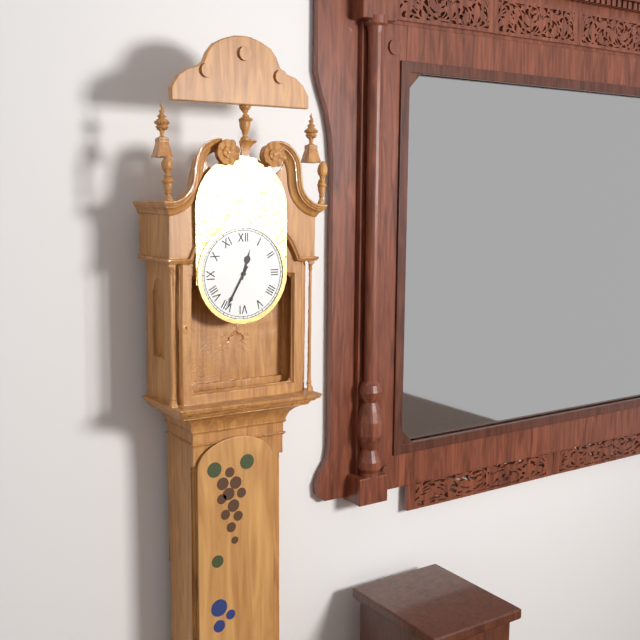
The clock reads **12:35**
